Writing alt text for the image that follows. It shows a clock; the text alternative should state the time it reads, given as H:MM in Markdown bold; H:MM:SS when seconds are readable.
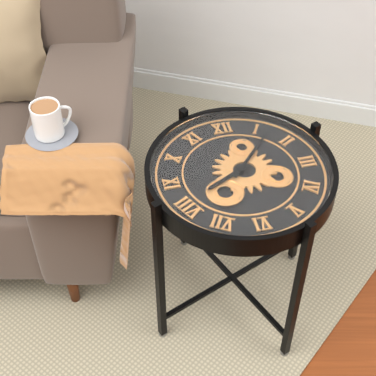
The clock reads **8:07**
